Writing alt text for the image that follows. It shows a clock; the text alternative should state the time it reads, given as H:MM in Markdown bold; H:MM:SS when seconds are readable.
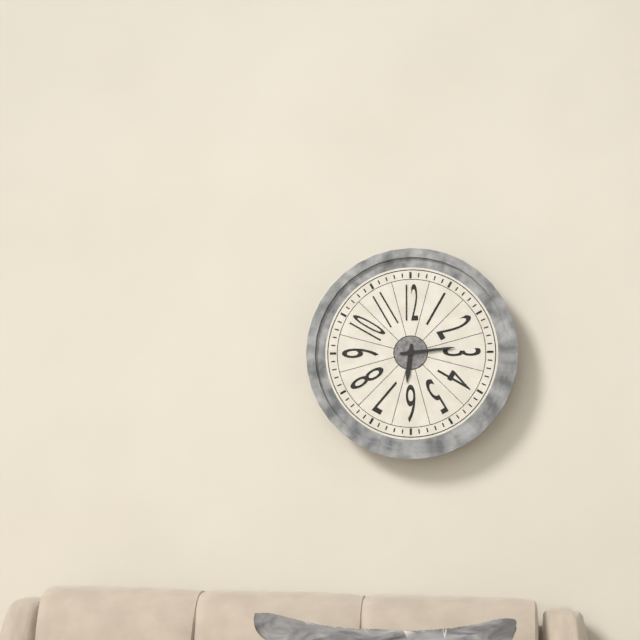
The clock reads **6:14**
